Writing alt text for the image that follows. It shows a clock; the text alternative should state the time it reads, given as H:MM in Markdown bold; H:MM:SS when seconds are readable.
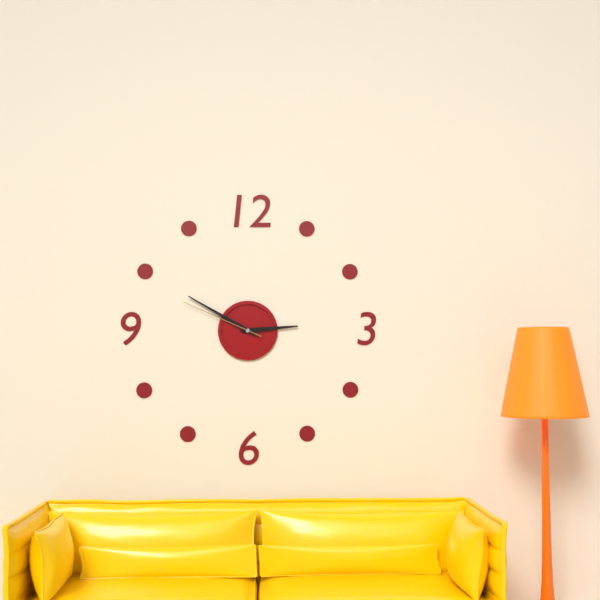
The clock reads **2:50:49**
